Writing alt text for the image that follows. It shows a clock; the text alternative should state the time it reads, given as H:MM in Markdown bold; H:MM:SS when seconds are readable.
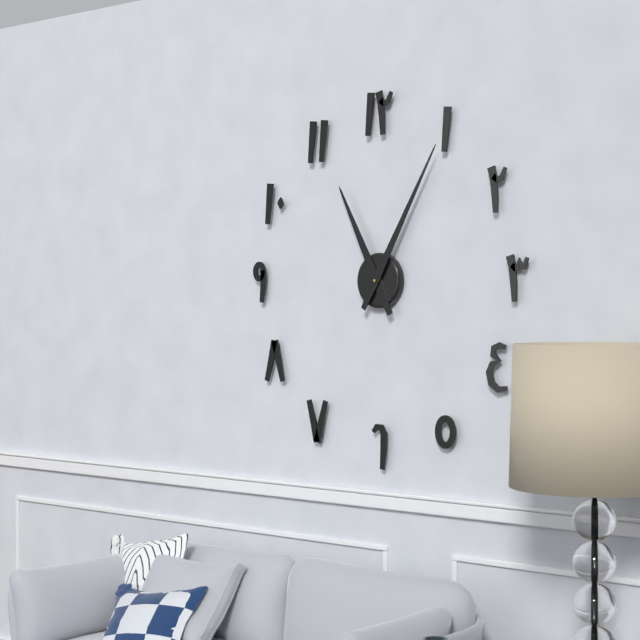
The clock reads **11:05**
